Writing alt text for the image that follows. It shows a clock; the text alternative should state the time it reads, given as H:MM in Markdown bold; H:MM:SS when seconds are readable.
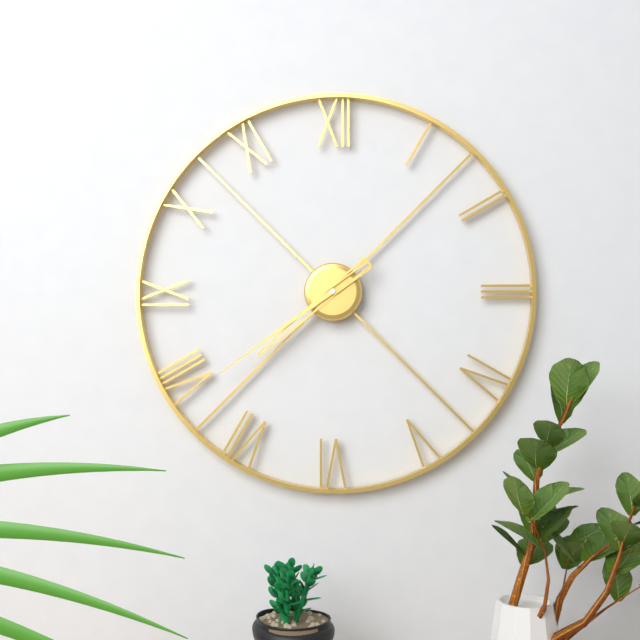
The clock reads **7:39**
